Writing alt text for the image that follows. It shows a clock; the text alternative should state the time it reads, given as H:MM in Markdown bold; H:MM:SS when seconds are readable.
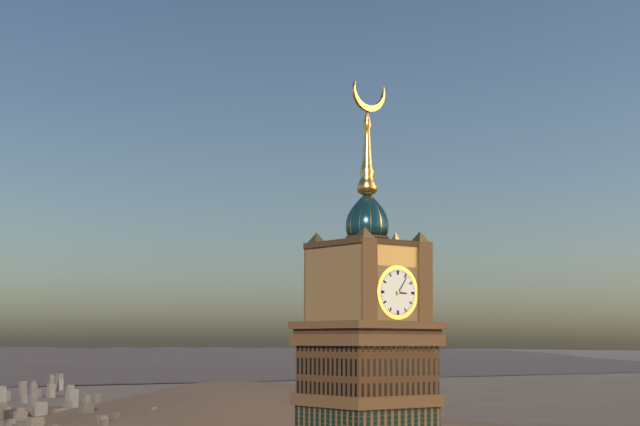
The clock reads **3:06**
